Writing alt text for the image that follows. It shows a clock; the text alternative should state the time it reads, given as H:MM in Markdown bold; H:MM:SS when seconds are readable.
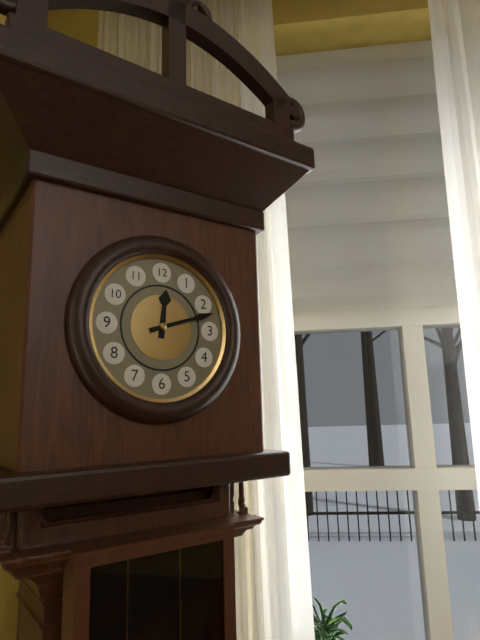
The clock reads **12:12**
